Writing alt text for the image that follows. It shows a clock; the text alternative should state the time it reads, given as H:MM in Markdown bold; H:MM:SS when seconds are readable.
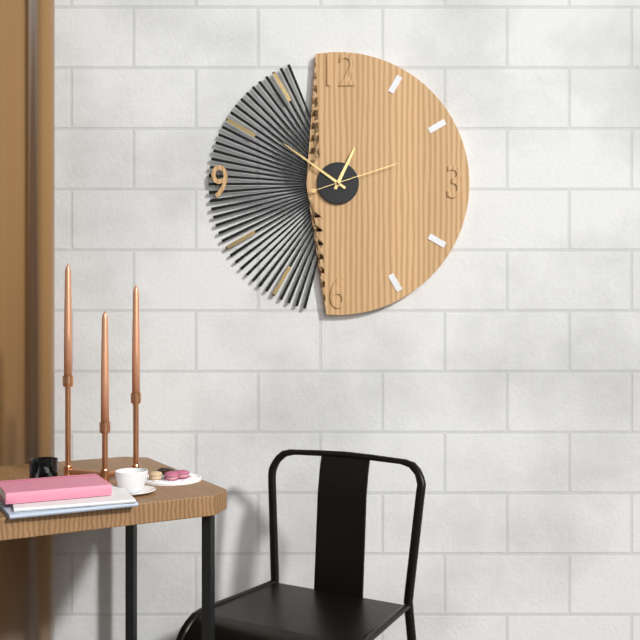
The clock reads **12:51:12**
